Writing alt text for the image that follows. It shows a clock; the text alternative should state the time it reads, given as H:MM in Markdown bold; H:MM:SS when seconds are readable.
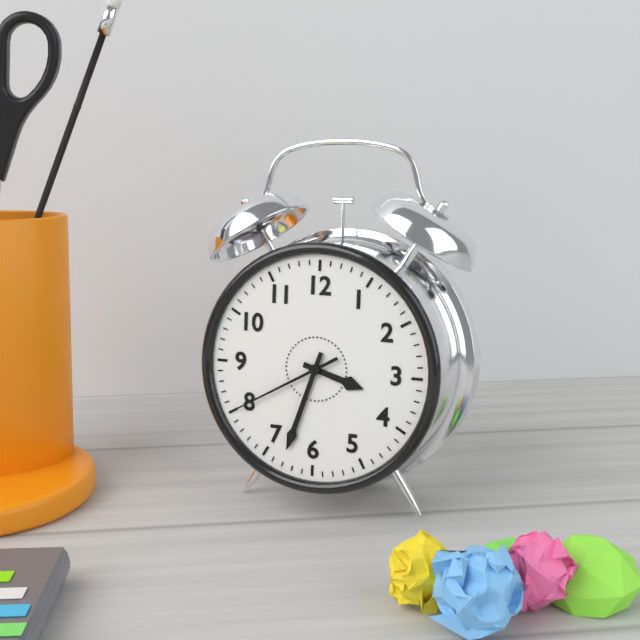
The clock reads **3:33:40**
